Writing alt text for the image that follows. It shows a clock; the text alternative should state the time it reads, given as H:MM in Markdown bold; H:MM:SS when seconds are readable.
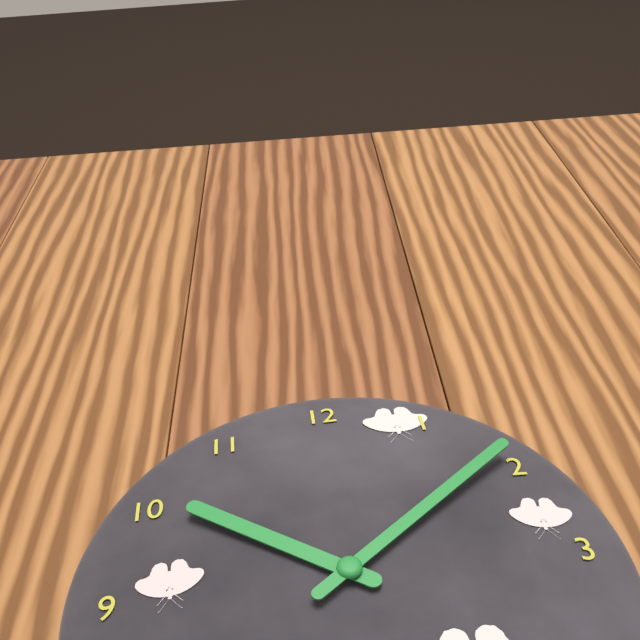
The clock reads **10:09**
